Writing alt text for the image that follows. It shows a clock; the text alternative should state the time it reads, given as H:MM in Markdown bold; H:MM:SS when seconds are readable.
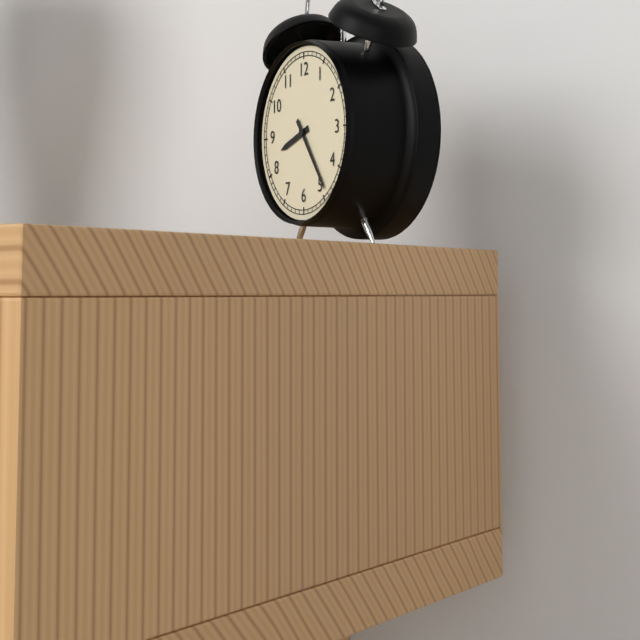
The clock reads **8:24**
